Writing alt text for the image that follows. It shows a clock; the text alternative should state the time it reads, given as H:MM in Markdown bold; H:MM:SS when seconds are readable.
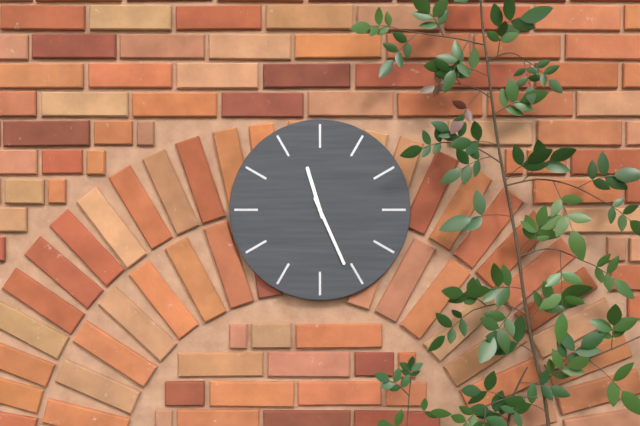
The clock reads **11:26**
